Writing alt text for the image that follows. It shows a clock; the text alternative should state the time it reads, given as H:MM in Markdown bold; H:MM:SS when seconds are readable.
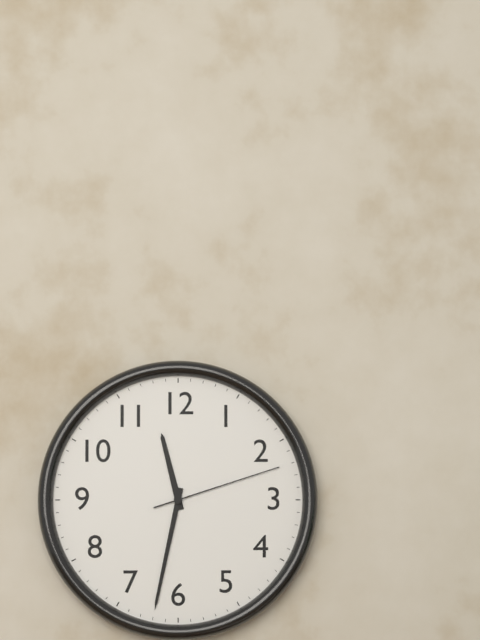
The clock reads **11:32:12**
